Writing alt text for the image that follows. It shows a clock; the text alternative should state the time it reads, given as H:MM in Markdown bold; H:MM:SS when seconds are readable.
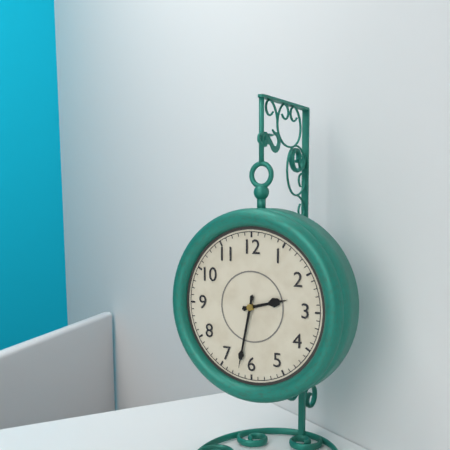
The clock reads **2:32**
